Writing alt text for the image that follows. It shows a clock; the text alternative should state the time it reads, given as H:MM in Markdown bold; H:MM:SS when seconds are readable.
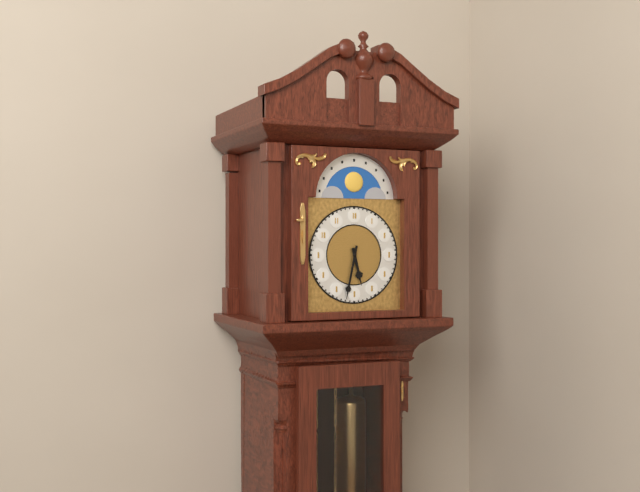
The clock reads **5:32**
